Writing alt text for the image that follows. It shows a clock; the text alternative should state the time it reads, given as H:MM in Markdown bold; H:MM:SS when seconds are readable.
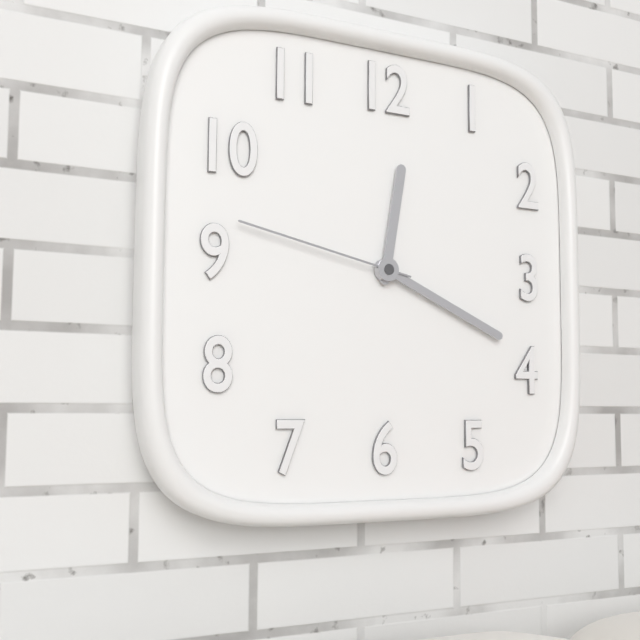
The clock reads **12:19:47**
